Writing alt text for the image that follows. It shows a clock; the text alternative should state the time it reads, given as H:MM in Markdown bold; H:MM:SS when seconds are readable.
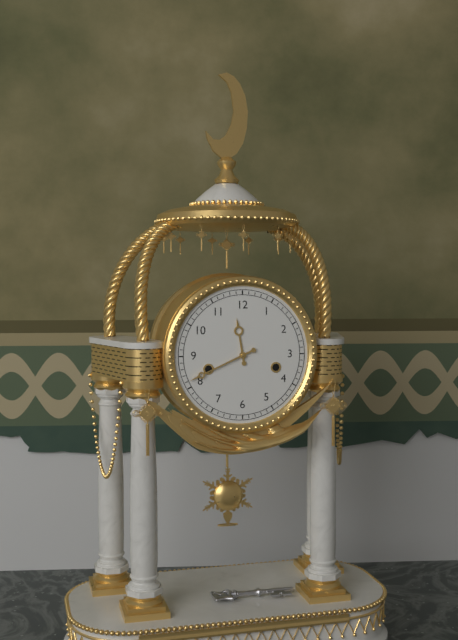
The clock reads **11:41**
